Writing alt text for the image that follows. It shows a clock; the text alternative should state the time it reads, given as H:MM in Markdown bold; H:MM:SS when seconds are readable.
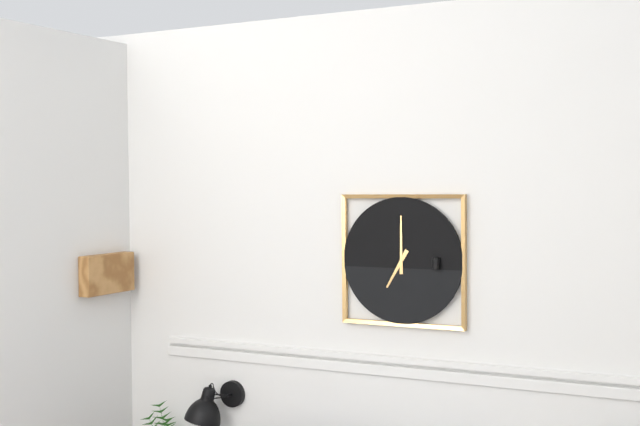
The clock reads **7:00**
